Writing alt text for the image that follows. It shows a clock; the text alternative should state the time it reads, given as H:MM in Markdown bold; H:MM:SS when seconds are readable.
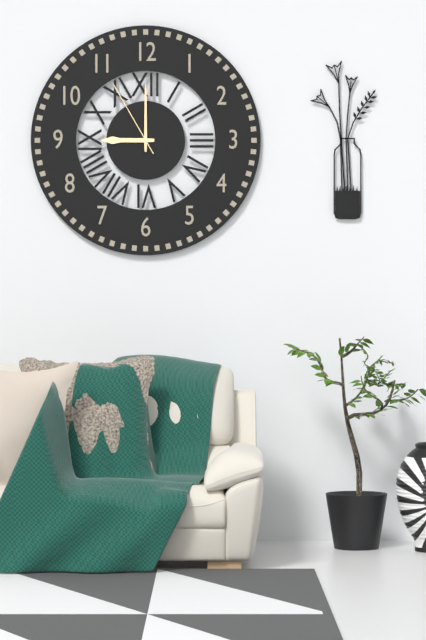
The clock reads **9:00:55**
